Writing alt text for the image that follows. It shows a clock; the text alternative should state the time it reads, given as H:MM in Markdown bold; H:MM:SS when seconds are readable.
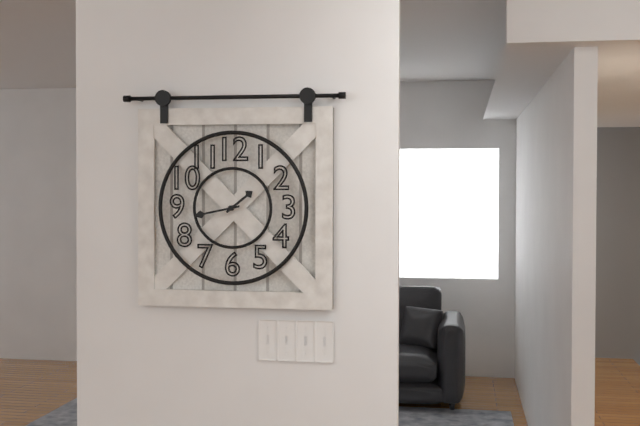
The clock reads **1:43**
